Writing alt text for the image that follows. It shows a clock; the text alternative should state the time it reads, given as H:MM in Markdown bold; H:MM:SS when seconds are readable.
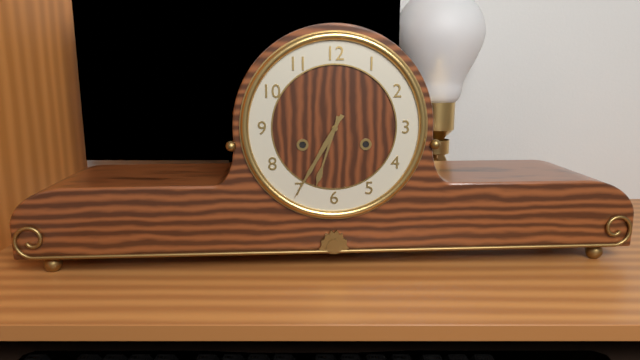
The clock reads **6:35**
